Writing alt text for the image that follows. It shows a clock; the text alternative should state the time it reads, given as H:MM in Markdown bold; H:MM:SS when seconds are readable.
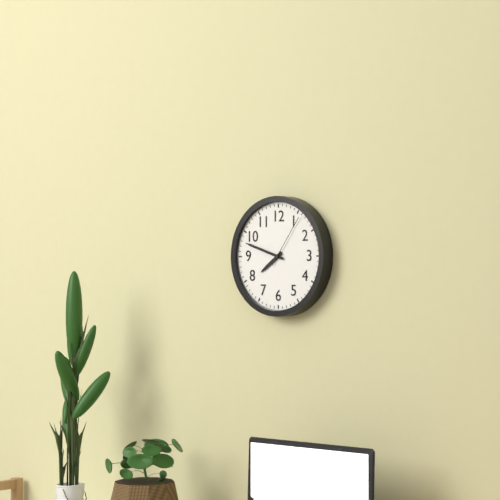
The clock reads **7:48:06**
